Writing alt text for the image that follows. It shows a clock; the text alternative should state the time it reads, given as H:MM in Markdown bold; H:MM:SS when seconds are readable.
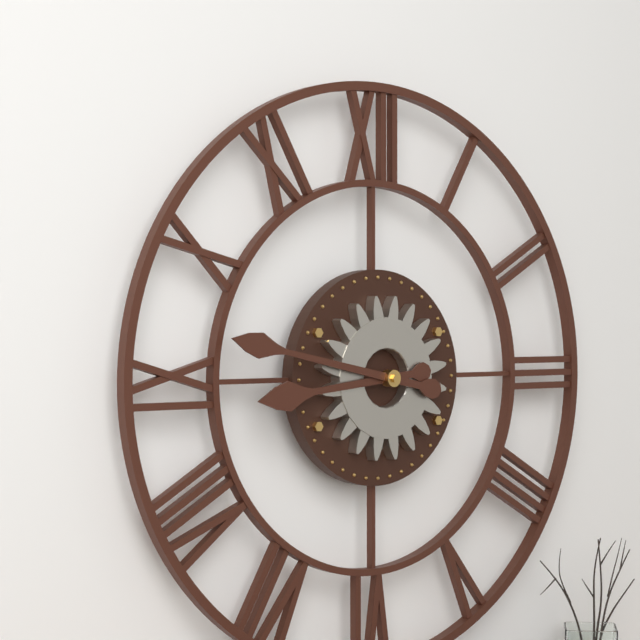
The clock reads **8:47**
